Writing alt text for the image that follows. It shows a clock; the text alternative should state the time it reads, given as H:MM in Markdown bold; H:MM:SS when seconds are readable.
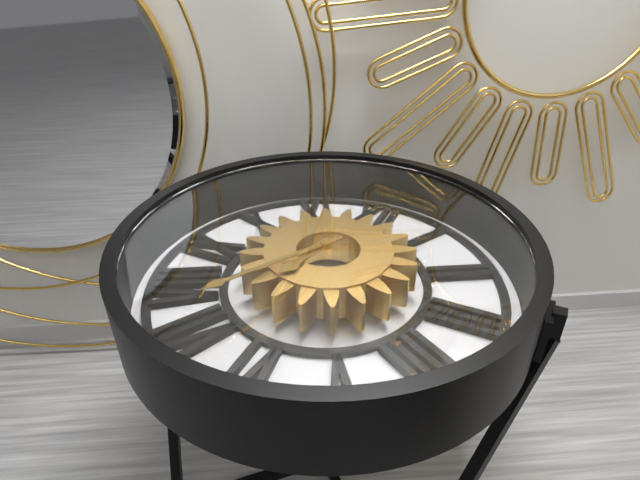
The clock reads **6:35**
